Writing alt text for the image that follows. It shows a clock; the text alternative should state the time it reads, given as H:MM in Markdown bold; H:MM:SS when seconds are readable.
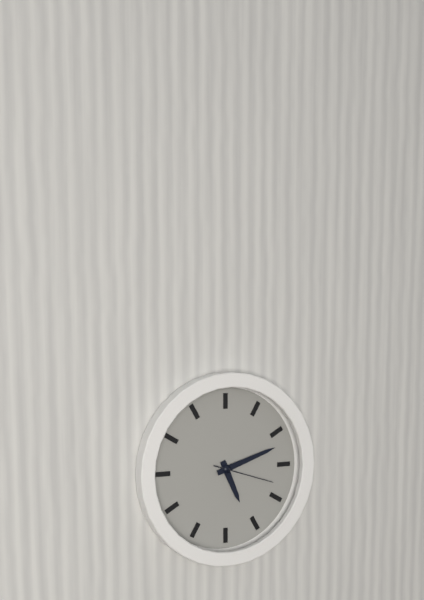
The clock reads **5:12:18**
